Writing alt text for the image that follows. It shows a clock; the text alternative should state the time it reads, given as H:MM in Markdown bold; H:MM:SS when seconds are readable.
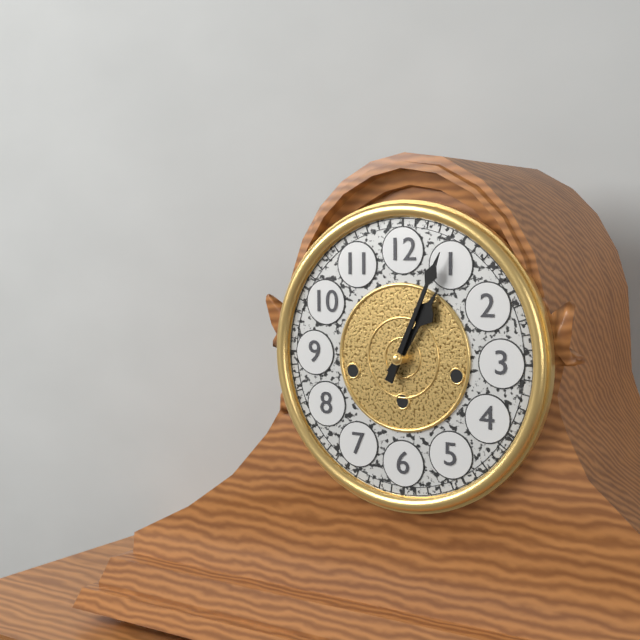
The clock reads **1:04**
